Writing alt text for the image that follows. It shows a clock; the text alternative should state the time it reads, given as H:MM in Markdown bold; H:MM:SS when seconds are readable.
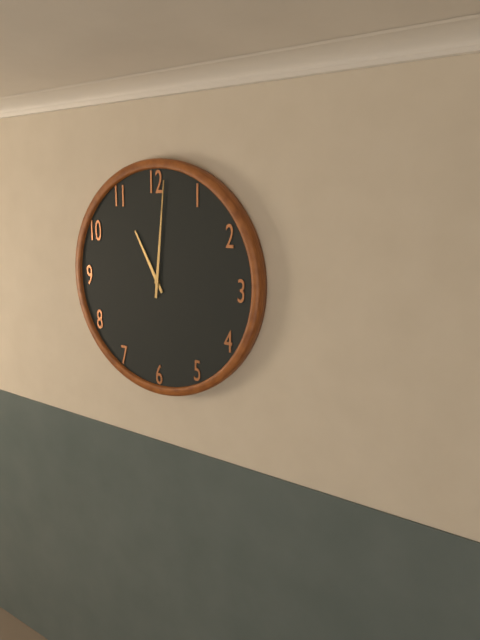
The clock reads **11:01**
